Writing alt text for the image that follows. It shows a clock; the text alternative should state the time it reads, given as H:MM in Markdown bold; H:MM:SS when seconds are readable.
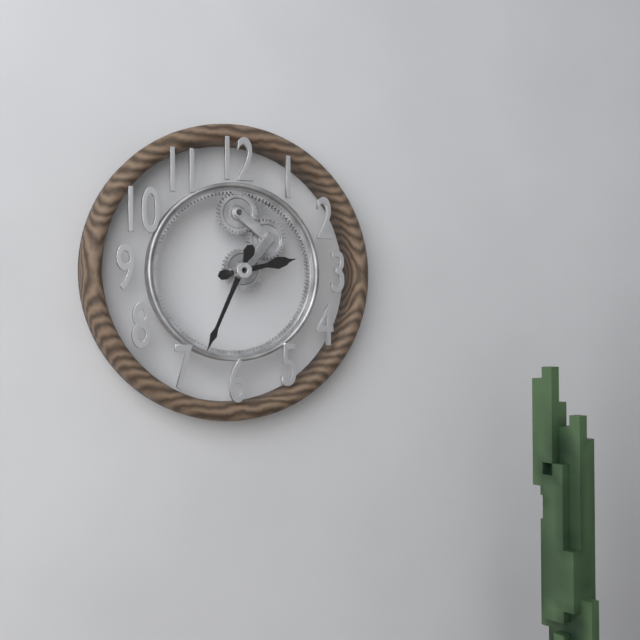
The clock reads **2:34**
